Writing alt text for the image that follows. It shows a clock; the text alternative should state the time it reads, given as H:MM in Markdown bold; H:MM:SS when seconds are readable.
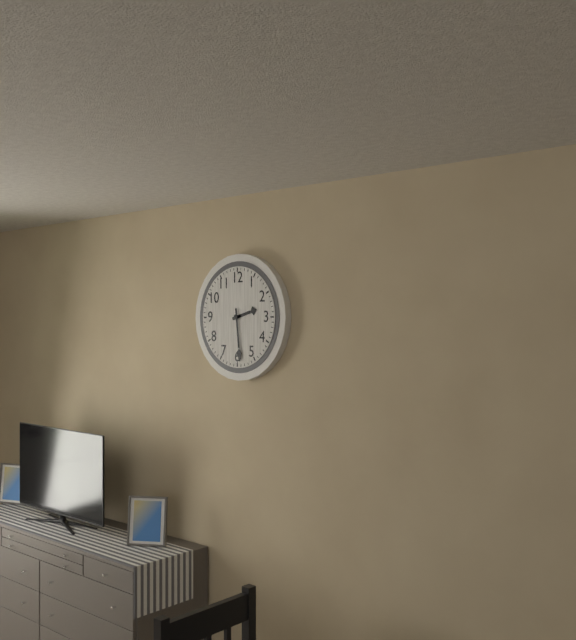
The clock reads **2:29**
